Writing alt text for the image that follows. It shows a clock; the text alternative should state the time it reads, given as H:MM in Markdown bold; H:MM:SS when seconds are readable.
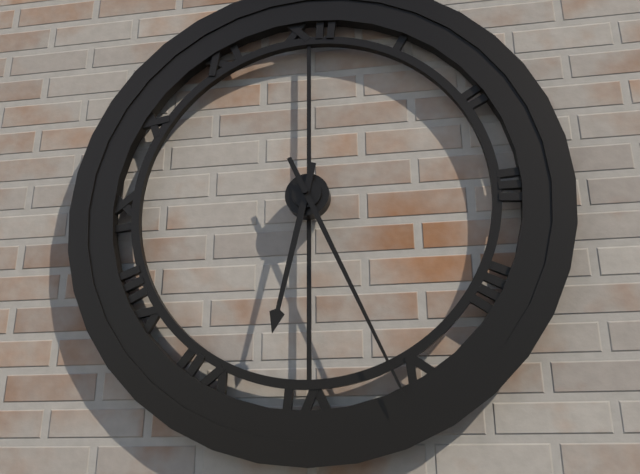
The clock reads **6:26**
